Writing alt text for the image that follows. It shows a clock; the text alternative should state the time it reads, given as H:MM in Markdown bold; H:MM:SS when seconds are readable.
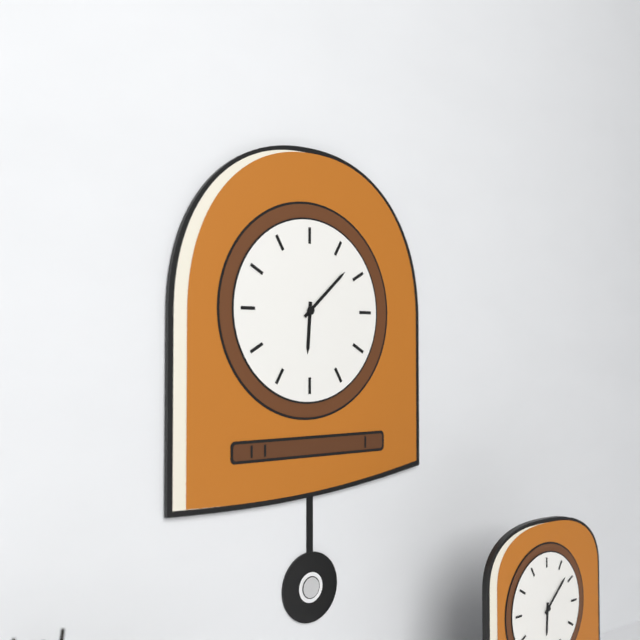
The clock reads **6:08**
